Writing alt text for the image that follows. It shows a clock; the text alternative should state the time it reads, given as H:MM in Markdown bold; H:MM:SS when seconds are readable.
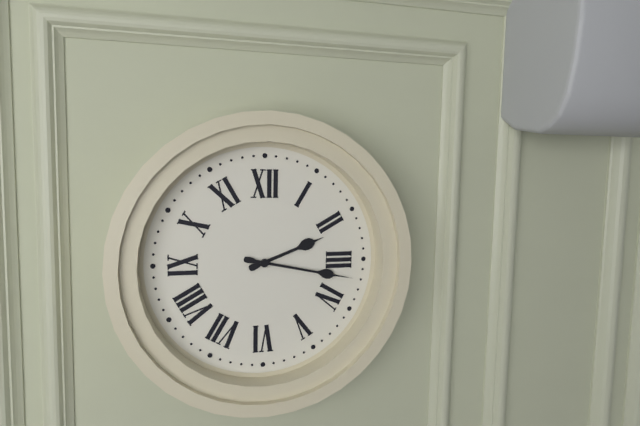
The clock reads **2:17**
